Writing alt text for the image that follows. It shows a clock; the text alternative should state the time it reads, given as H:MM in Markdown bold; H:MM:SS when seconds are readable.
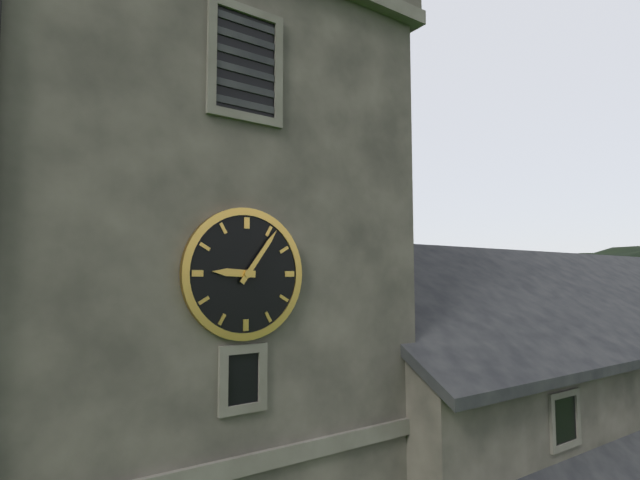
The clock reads **9:06**
